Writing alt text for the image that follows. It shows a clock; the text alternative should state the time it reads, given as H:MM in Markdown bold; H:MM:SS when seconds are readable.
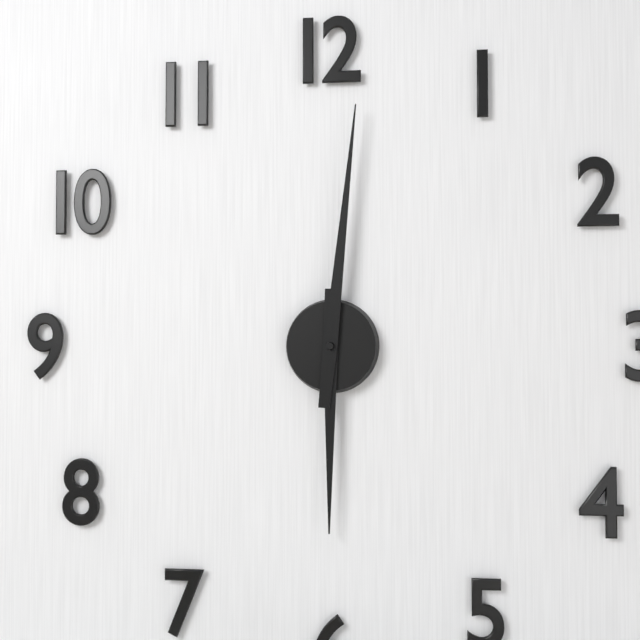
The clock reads **6:01**
